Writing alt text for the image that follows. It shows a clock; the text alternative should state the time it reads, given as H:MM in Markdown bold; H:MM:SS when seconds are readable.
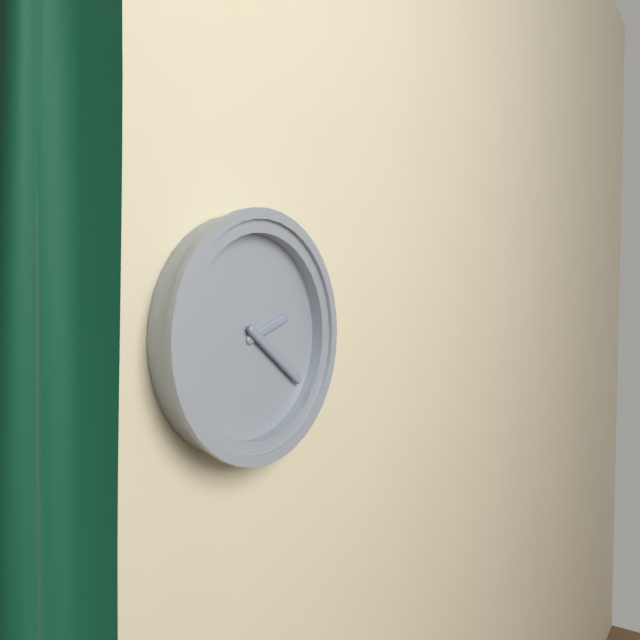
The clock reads **2:21**
